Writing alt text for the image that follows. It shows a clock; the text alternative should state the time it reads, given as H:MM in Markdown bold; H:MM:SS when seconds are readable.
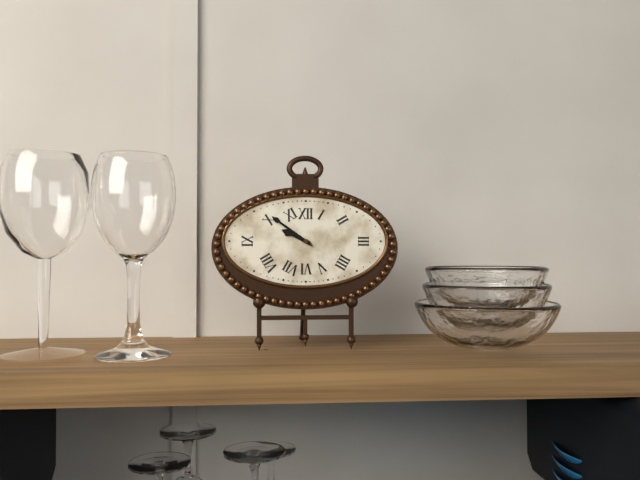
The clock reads **9:51**
